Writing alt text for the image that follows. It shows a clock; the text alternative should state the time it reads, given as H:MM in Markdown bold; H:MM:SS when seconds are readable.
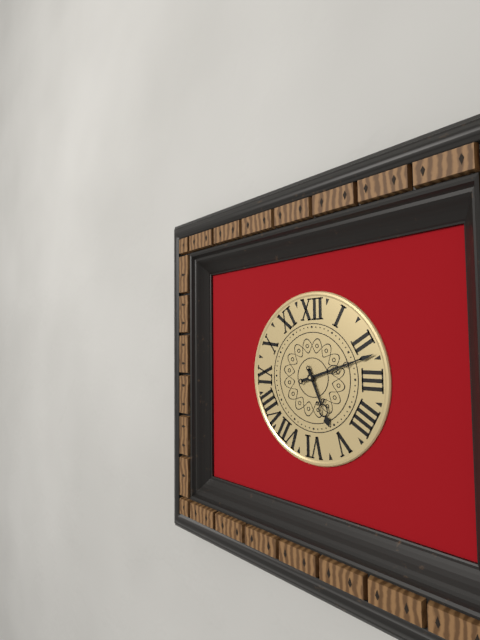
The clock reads **5:12**
